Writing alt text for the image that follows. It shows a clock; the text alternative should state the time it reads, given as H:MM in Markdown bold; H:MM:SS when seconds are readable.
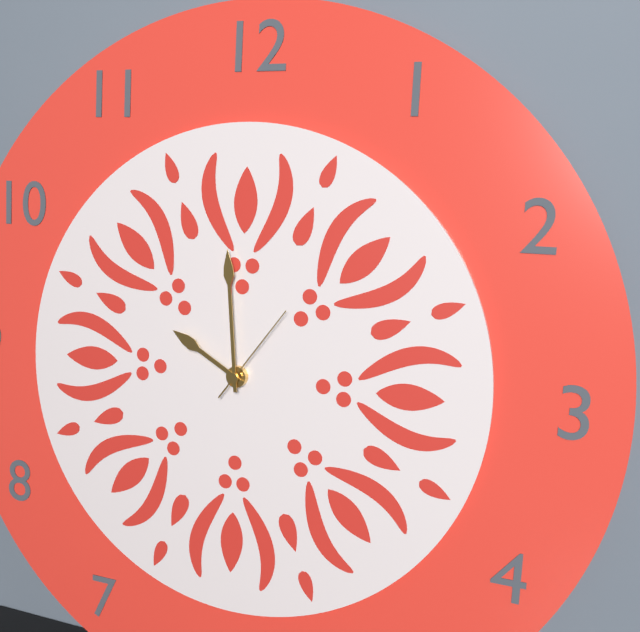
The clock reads **9:59:06**
